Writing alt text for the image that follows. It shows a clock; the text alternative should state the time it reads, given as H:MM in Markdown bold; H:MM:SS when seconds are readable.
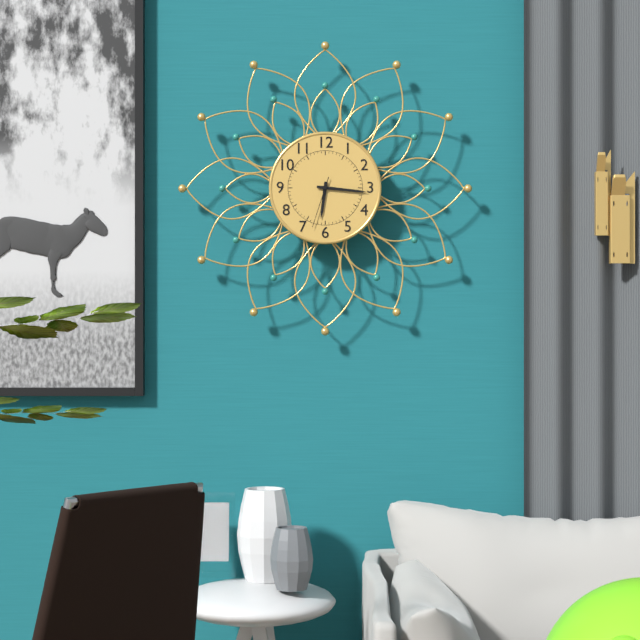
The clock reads **6:16:33**
